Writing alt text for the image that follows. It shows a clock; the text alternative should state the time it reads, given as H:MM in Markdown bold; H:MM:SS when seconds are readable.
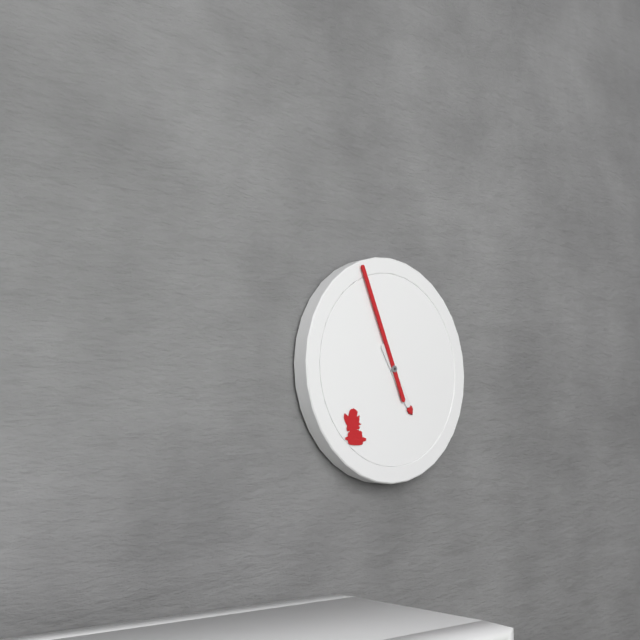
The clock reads **4:56**
